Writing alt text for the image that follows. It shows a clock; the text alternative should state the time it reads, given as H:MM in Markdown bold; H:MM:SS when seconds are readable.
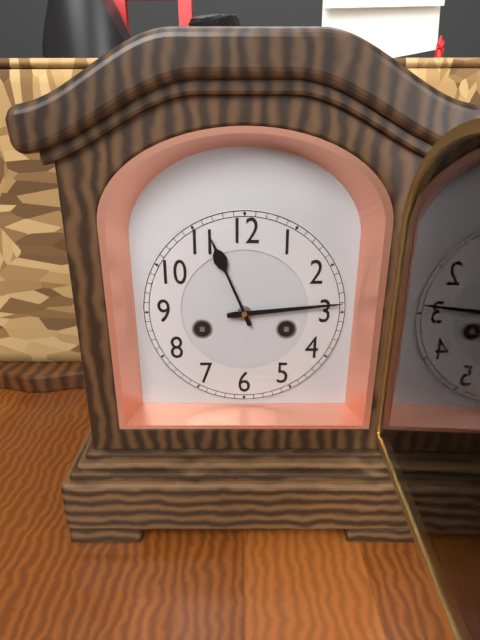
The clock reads **11:14**
